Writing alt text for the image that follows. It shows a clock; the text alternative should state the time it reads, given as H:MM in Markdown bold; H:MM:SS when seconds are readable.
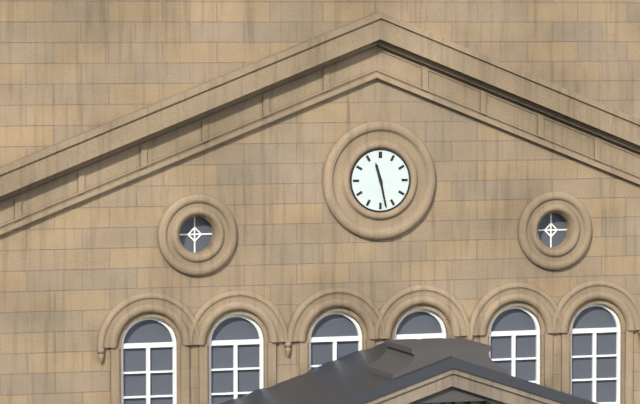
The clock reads **11:28**
